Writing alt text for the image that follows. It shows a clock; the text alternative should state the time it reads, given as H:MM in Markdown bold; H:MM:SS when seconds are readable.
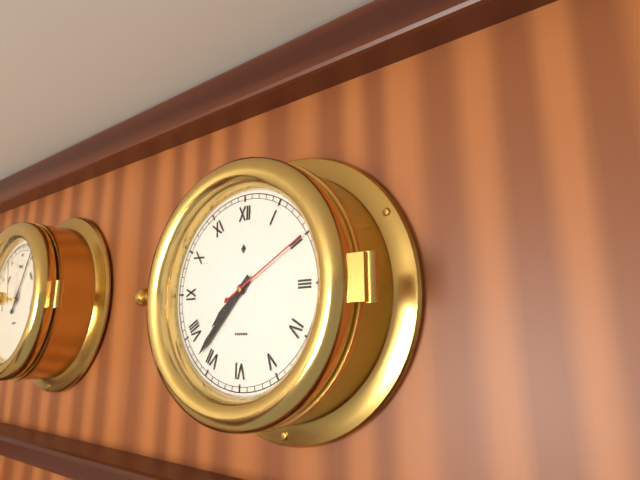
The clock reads **7:37:10**
